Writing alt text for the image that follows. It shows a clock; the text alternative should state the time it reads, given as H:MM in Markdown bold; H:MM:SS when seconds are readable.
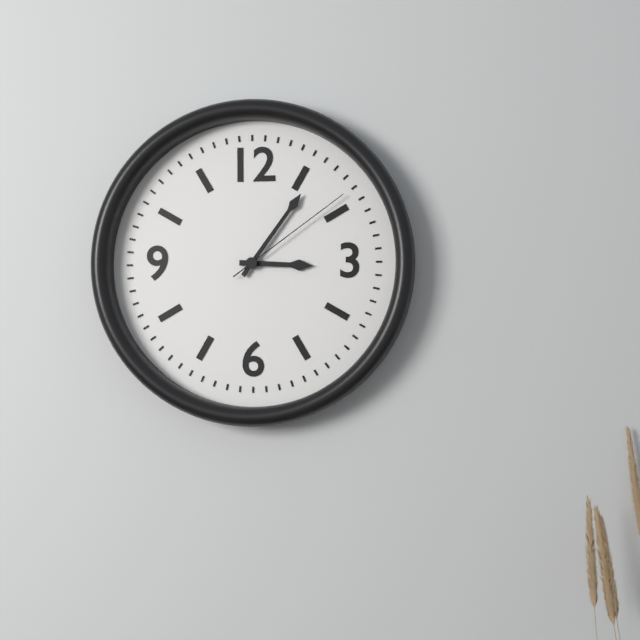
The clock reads **3:06:09**
